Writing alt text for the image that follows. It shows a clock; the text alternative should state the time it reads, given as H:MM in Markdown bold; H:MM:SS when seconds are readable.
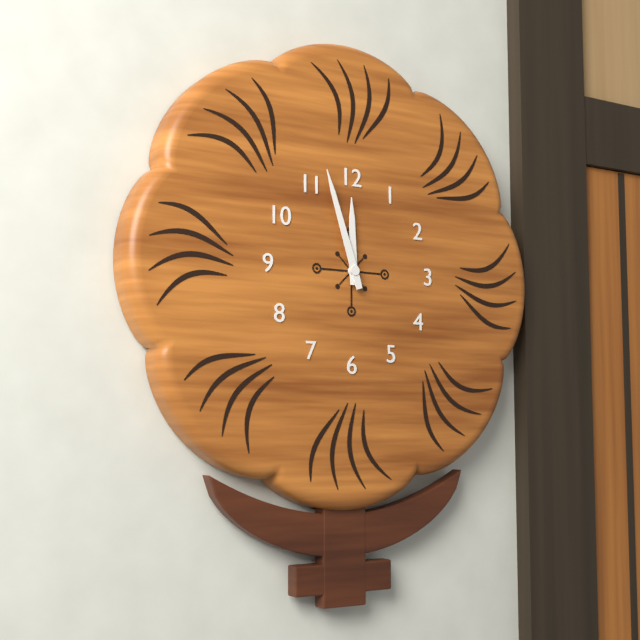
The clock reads **11:57**
